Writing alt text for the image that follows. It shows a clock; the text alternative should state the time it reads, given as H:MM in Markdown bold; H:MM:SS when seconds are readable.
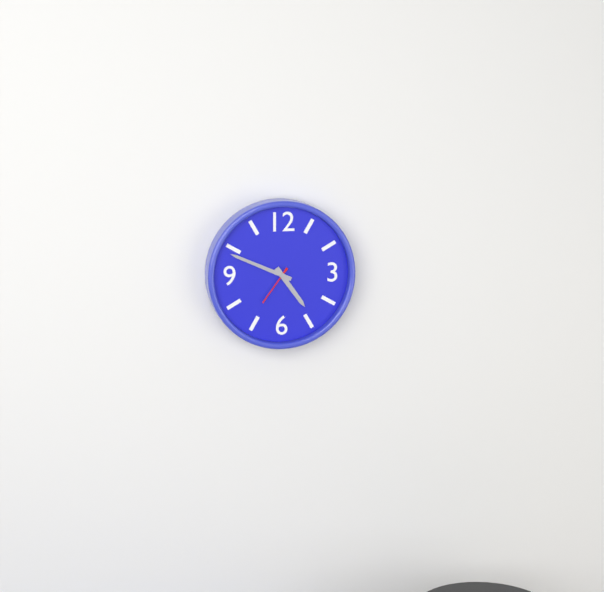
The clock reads **4:49**
